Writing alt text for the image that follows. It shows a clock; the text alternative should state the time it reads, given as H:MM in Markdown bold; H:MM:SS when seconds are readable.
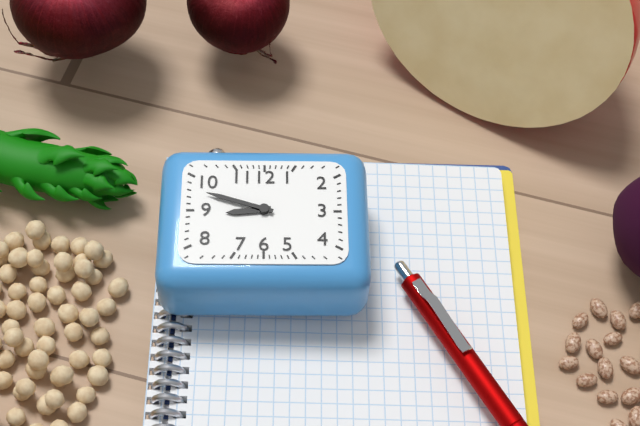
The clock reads **8:48**
